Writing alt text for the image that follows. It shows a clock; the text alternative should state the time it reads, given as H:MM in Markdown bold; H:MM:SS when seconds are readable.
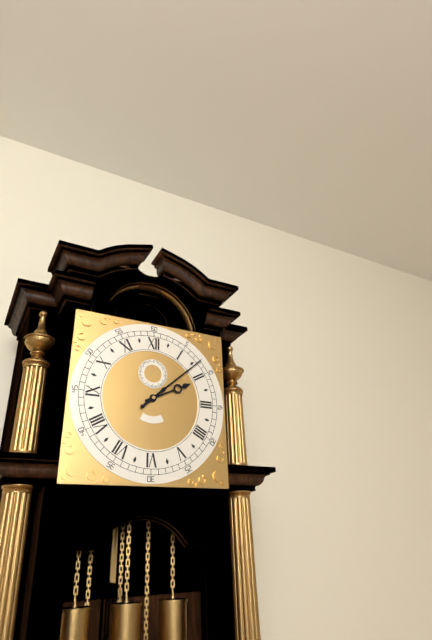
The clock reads **2:08**
